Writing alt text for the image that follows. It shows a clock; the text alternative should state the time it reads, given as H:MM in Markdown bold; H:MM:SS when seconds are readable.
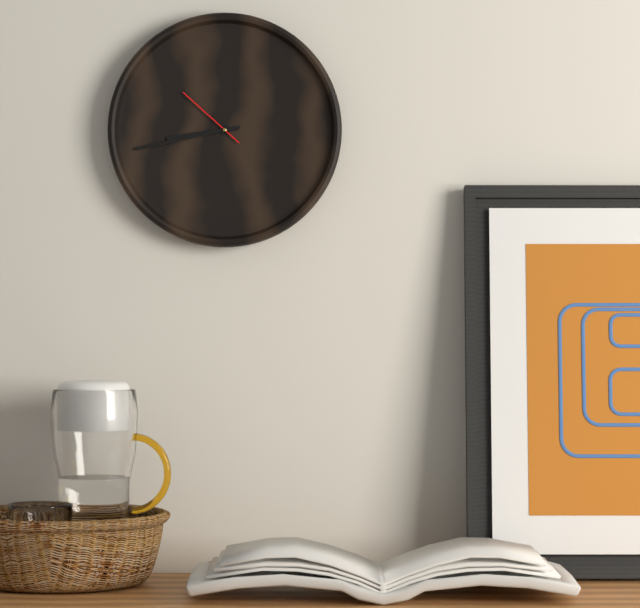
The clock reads **8:43:52**
